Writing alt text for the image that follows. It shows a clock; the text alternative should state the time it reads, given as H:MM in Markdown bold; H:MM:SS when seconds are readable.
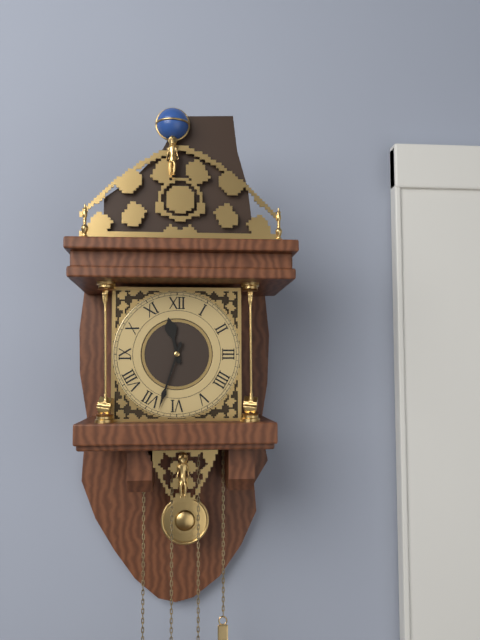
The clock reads **11:33**
